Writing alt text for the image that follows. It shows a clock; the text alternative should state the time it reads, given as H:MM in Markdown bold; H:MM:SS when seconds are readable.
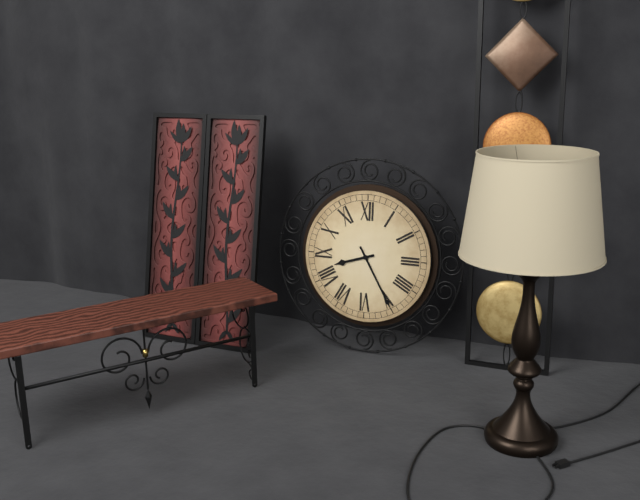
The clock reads **8:25**
